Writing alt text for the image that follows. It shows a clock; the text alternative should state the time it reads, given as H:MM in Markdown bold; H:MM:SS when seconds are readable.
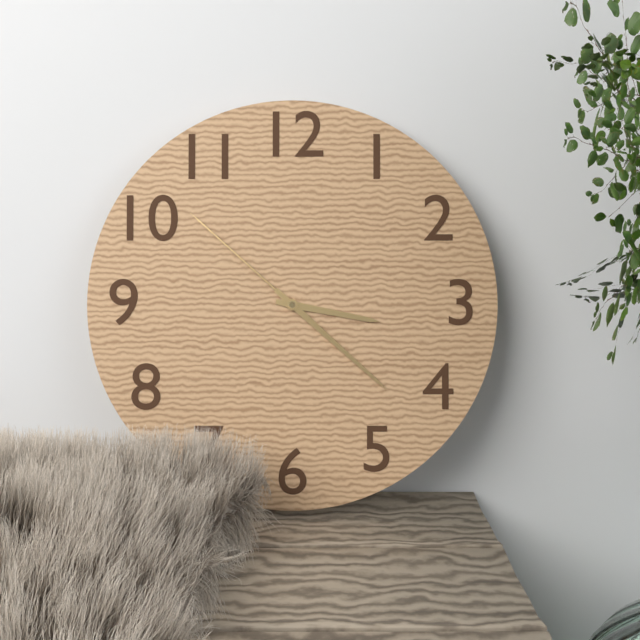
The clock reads **3:22:52**
